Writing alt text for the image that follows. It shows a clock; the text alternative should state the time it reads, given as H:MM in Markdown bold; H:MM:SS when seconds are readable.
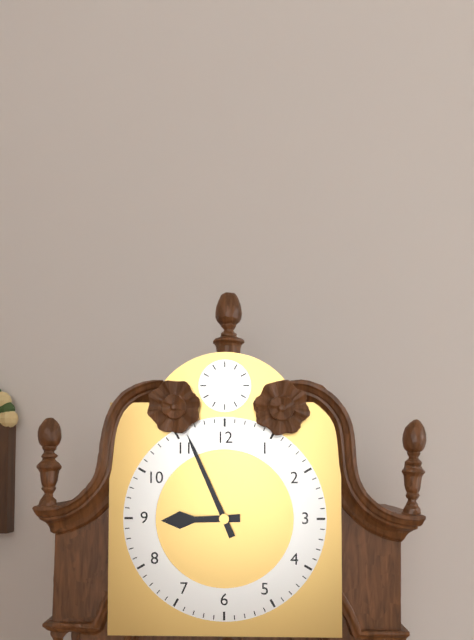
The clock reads **8:56**
